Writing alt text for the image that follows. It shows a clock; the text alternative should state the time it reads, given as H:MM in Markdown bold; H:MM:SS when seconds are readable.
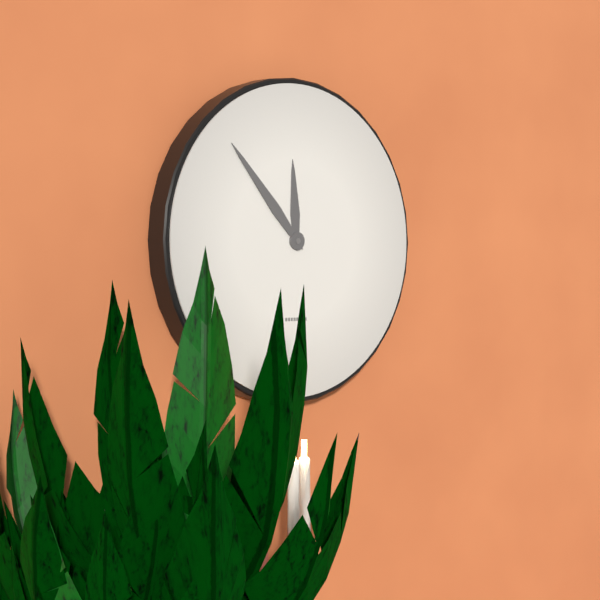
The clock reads **11:53**
